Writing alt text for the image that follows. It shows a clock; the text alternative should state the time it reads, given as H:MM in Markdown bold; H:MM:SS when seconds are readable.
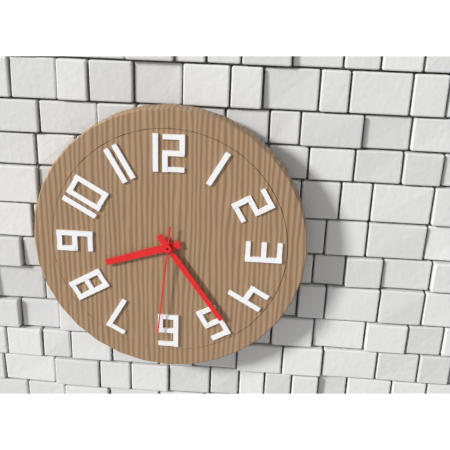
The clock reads **8:24:31**
